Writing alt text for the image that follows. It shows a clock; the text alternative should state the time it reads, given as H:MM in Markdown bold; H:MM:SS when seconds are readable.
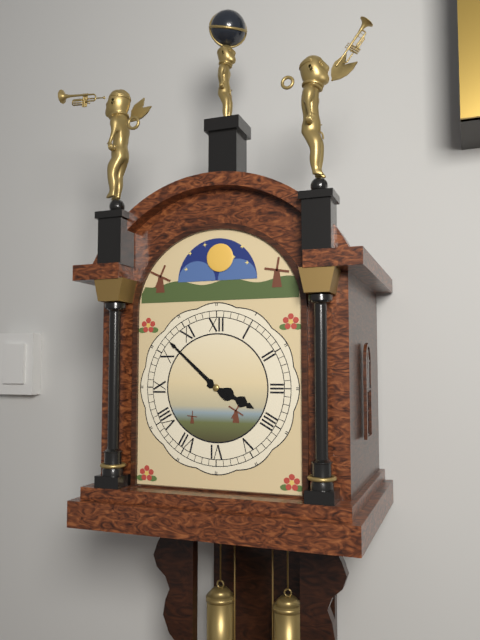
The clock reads **3:52**
